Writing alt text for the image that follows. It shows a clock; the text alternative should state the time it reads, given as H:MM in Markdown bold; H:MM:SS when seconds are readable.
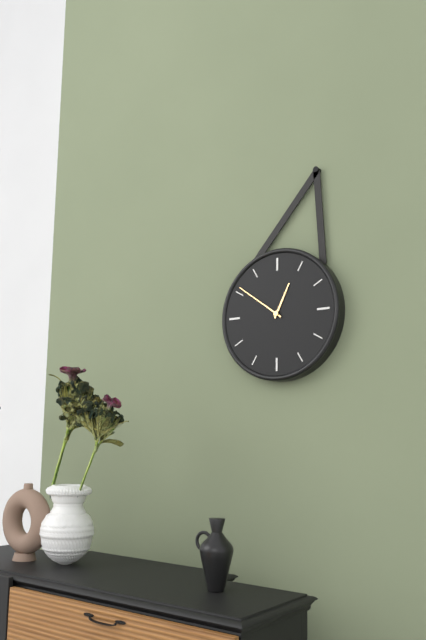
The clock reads **12:51**
